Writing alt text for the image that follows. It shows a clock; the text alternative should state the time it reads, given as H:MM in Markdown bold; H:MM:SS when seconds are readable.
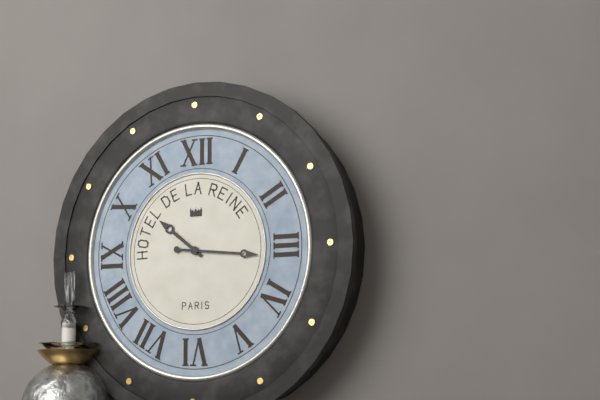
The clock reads **10:16**
